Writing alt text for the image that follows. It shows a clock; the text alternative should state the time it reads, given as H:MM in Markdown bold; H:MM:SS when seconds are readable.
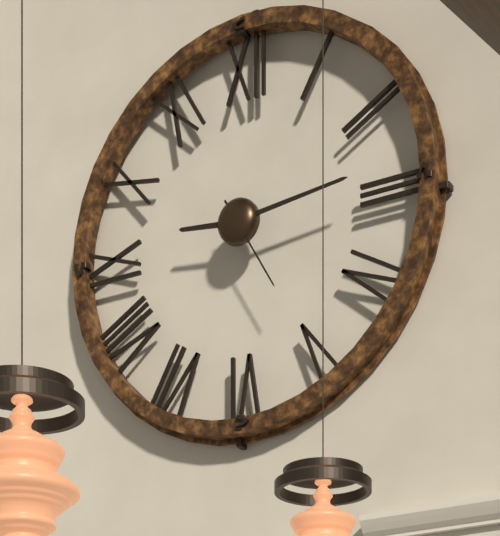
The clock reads **9:14:25**
